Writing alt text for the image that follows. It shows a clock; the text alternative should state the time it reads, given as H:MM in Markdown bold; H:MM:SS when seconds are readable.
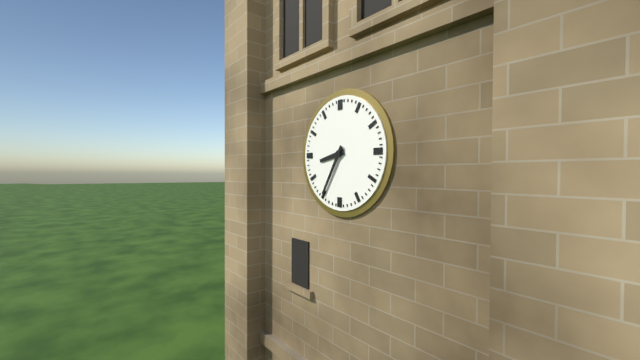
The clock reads **8:35**
